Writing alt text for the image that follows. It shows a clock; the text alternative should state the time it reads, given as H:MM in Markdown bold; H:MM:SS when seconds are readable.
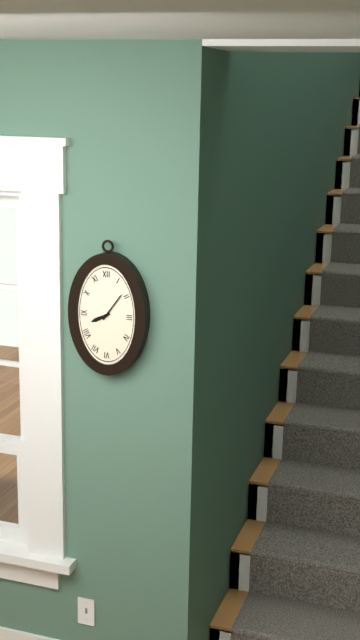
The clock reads **8:06**
